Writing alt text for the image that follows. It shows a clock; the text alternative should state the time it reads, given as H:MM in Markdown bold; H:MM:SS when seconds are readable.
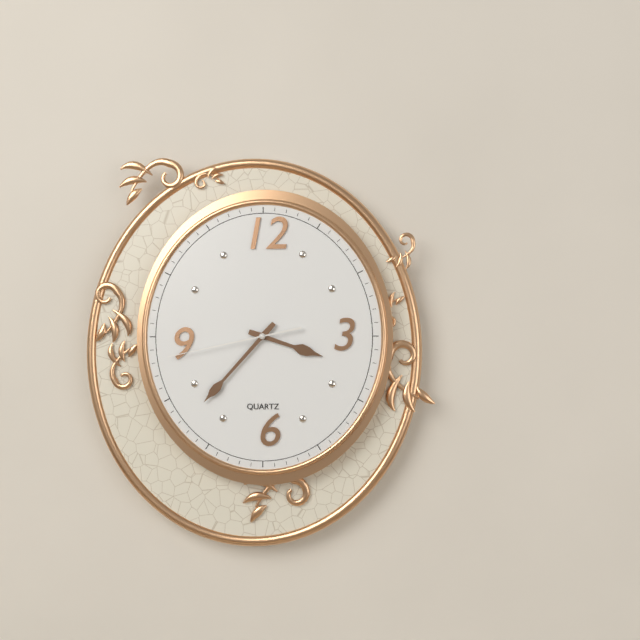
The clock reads **3:37:43**
